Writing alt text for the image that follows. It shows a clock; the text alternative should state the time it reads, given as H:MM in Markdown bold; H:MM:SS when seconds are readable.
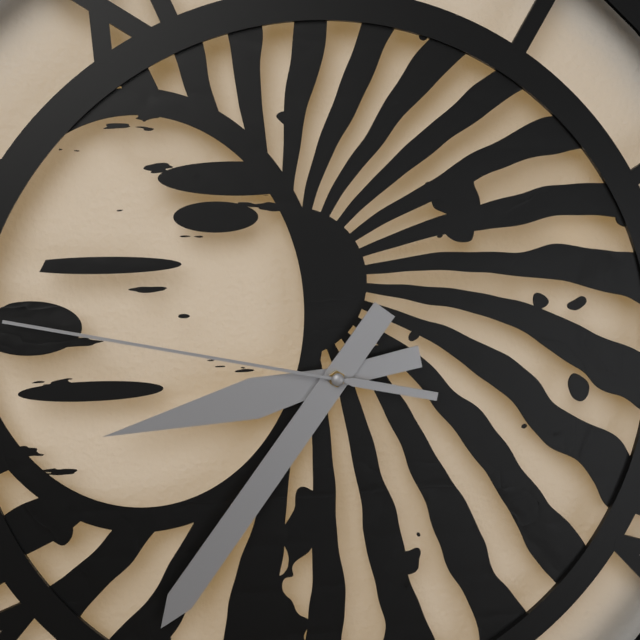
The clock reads **8:36:47**
